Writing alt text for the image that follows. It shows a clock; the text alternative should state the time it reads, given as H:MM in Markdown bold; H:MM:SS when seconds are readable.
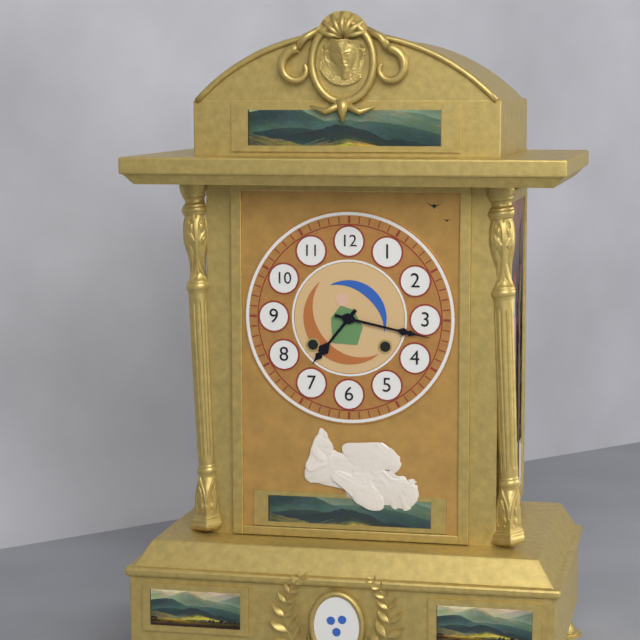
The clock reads **7:17**
